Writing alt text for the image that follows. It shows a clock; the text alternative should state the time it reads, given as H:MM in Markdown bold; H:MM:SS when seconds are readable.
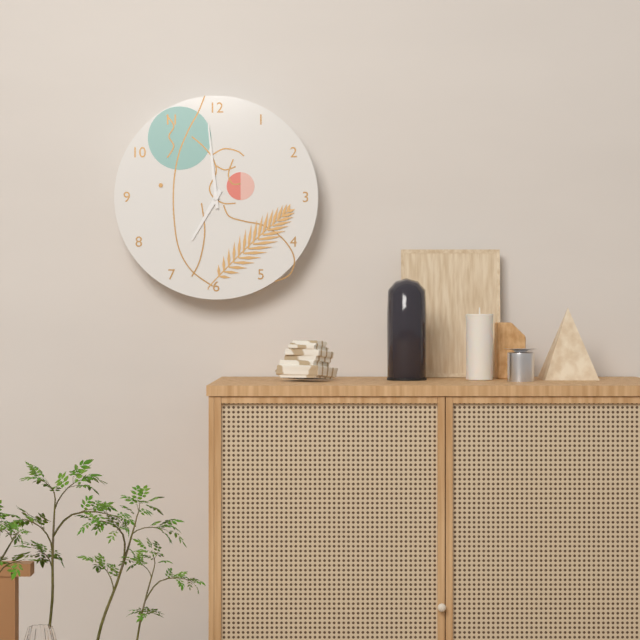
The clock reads **6:59**
